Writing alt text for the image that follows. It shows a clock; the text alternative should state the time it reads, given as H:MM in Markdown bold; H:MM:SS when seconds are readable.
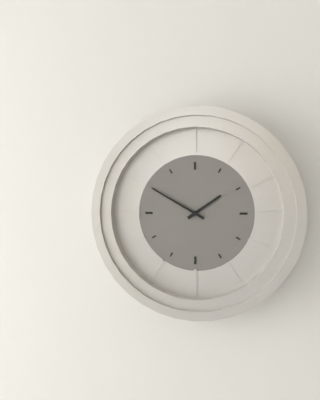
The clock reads **1:50**
